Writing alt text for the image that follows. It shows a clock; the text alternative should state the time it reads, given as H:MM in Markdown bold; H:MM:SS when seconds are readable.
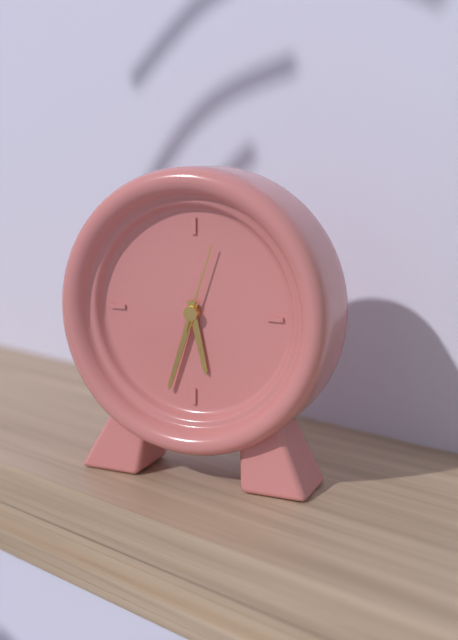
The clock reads **5:33:03**
